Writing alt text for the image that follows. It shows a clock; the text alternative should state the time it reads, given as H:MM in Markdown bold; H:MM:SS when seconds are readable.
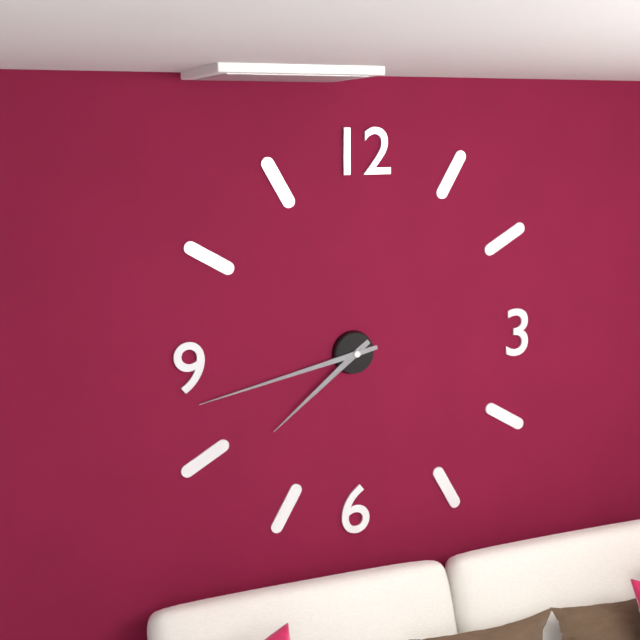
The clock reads **7:43**
